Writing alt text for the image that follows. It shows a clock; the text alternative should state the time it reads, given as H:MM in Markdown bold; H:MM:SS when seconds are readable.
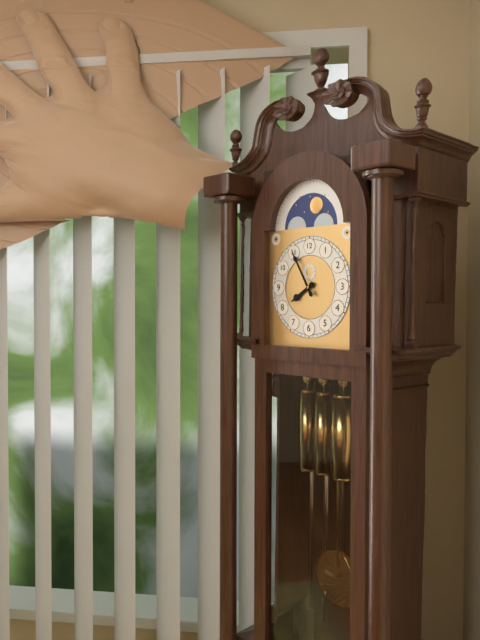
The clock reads **7:55**
